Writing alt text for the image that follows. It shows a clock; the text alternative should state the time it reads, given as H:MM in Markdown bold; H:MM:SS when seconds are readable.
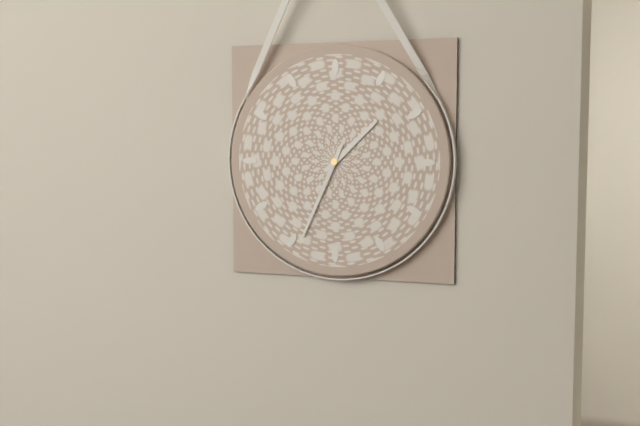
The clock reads **1:34**
